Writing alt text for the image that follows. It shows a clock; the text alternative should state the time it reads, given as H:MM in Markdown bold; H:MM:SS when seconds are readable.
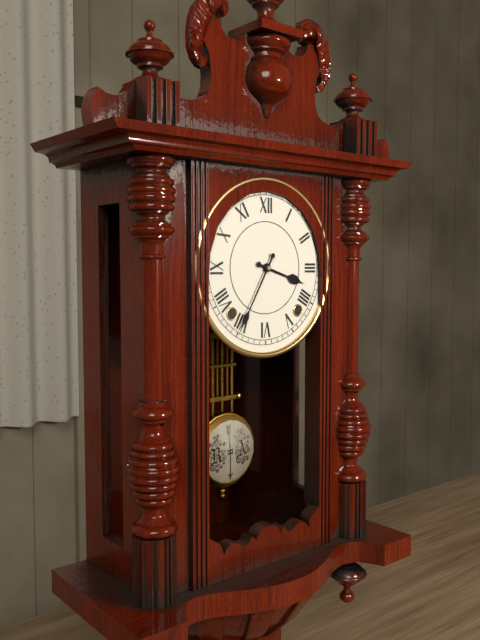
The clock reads **3:35**
